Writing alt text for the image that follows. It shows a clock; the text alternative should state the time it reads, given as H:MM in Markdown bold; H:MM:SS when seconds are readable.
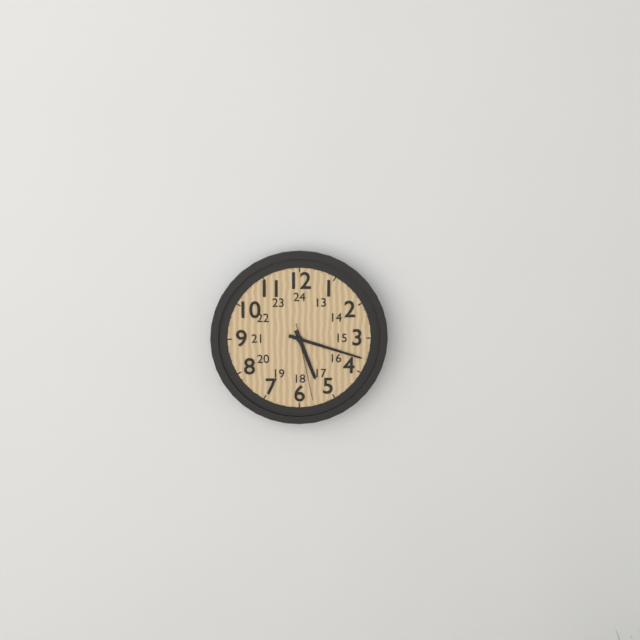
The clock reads **5:18:28**
